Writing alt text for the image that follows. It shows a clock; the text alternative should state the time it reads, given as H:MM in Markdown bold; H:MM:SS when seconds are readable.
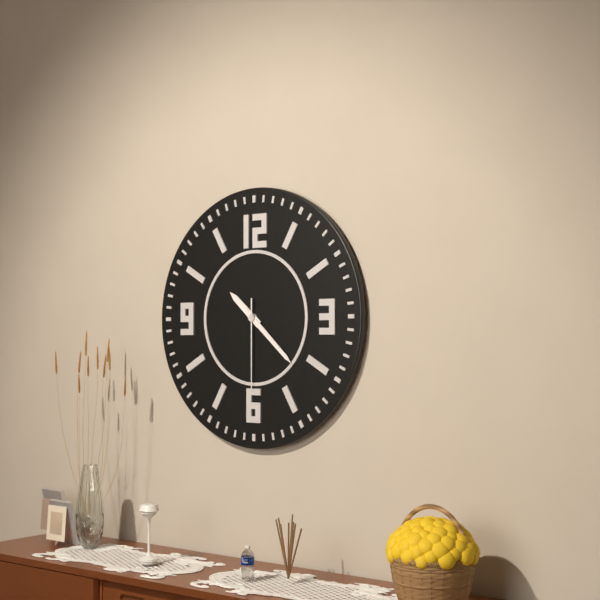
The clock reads **10:22:30**
